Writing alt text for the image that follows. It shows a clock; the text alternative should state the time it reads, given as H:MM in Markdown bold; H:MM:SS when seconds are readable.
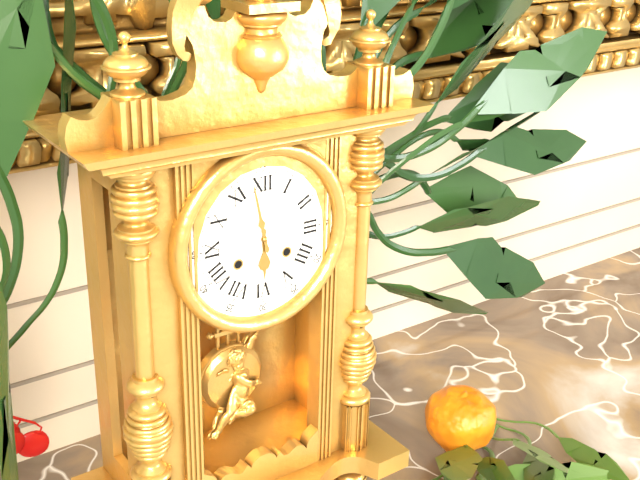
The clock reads **5:58**
